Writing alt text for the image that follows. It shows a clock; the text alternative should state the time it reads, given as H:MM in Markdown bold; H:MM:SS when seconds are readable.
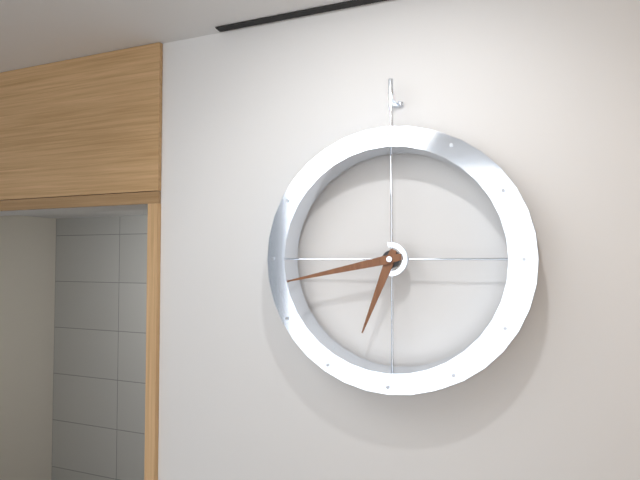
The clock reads **6:43**
